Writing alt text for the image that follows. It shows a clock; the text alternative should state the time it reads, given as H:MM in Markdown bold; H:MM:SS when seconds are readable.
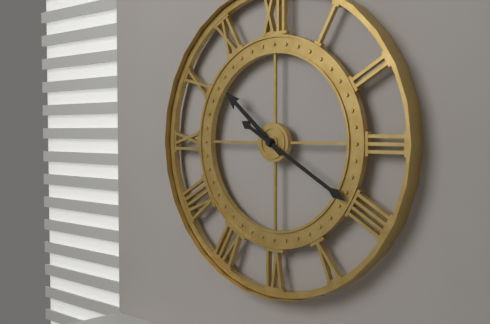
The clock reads **10:20**
